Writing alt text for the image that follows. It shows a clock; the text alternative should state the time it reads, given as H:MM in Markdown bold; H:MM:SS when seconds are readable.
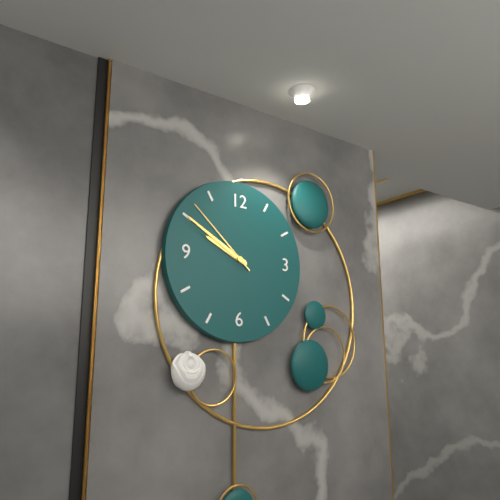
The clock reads **9:50:52**
